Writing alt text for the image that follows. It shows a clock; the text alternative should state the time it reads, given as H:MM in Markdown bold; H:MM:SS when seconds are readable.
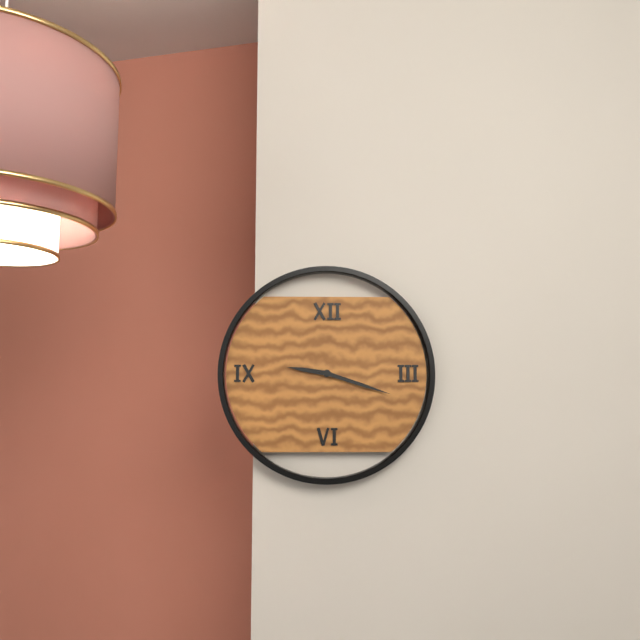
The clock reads **9:18**
